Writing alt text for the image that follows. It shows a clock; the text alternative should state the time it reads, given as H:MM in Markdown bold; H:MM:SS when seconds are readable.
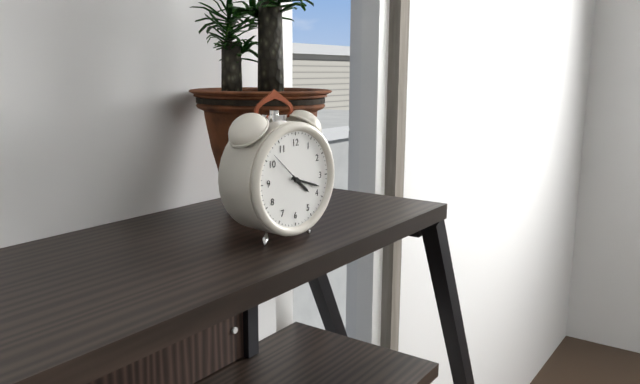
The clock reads **4:18**
